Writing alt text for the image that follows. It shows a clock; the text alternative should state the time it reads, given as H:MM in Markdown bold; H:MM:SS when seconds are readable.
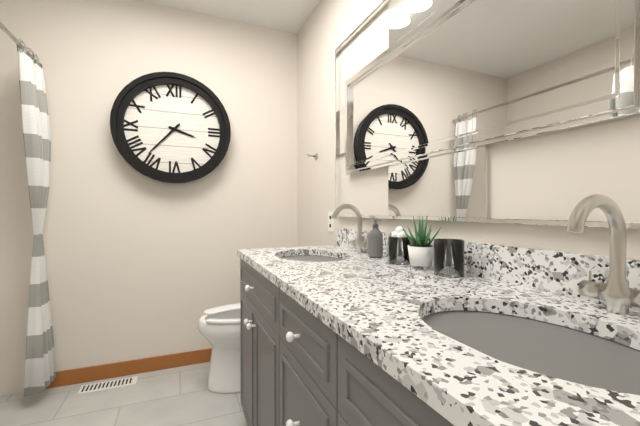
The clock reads **3:37**
